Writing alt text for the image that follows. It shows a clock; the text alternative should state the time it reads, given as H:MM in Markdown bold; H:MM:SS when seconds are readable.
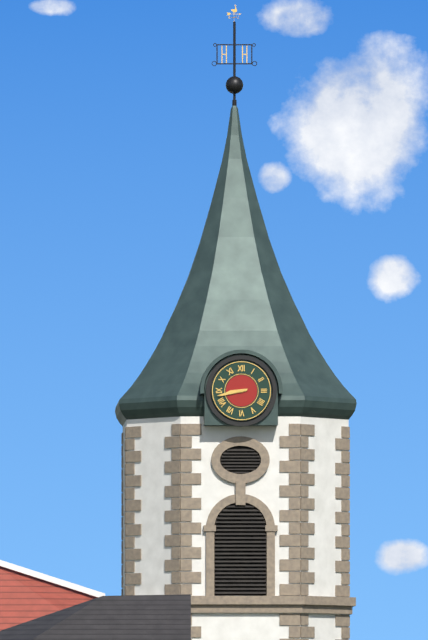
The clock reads **8:43**
